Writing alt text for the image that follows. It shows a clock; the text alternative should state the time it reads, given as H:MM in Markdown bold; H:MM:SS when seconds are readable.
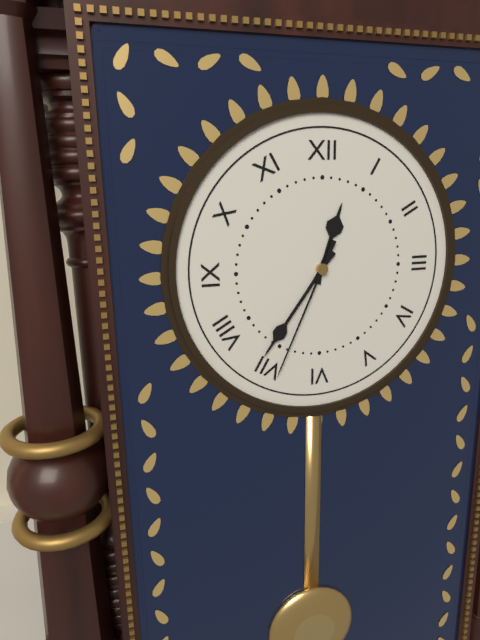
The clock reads **12:36:34**
